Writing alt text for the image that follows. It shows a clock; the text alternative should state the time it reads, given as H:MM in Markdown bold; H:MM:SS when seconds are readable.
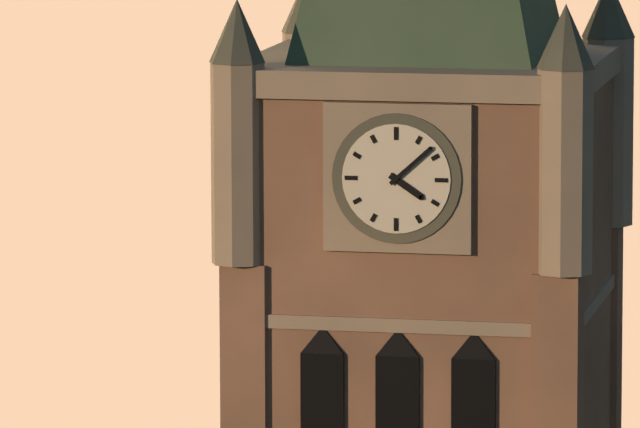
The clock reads **4:08**
